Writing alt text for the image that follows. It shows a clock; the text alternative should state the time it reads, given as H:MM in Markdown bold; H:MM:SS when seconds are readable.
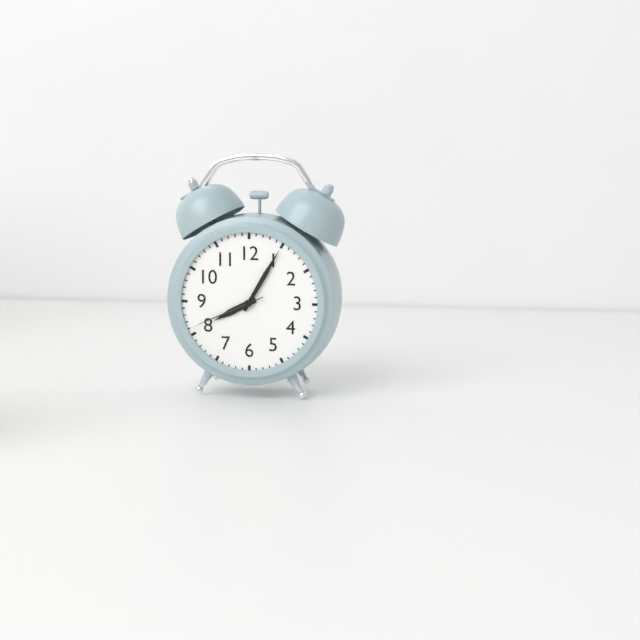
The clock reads **8:05:41**
